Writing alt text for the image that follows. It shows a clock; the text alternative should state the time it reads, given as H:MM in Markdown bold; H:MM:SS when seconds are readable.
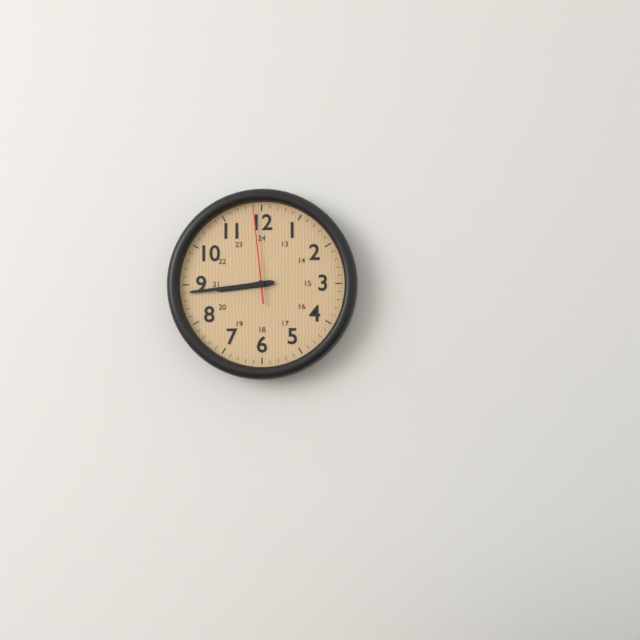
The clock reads **8:44:59**
